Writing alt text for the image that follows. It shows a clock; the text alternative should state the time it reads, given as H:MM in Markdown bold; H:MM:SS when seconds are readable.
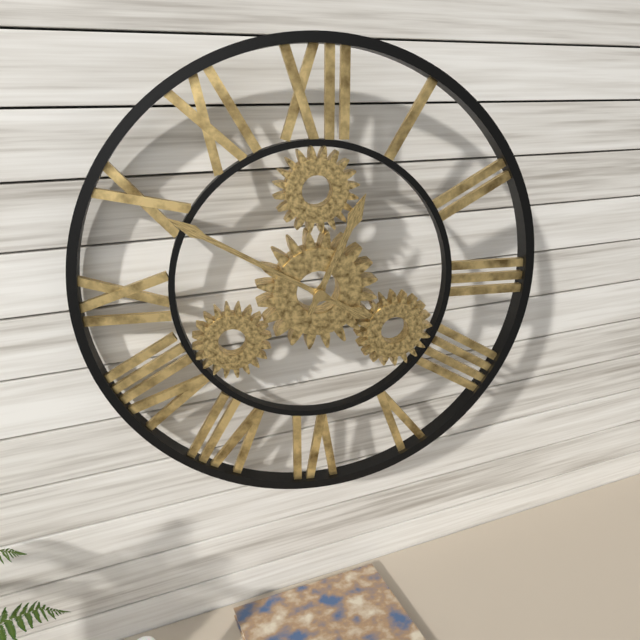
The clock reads **12:50**
